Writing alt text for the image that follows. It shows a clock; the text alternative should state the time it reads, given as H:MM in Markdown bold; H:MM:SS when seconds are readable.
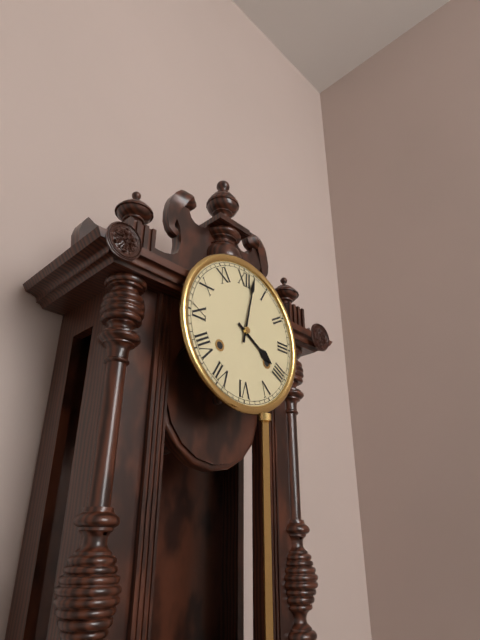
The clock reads **4:02**
